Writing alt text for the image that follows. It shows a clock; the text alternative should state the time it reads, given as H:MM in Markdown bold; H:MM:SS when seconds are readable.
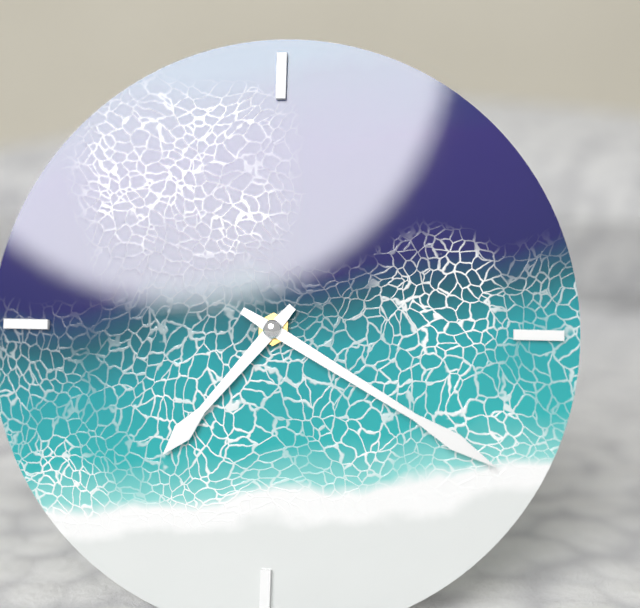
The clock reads **7:20**
